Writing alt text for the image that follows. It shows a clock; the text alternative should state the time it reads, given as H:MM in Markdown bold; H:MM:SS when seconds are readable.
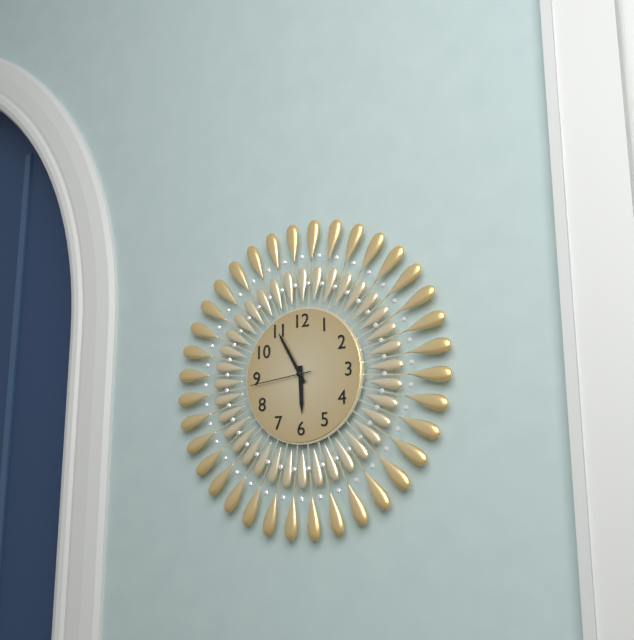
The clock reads **5:55:44**
